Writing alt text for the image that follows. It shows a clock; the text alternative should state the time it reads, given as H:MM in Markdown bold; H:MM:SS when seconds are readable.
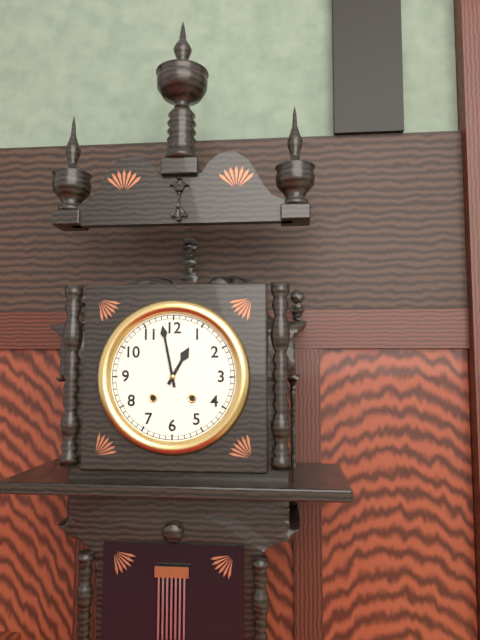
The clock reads **12:58**
